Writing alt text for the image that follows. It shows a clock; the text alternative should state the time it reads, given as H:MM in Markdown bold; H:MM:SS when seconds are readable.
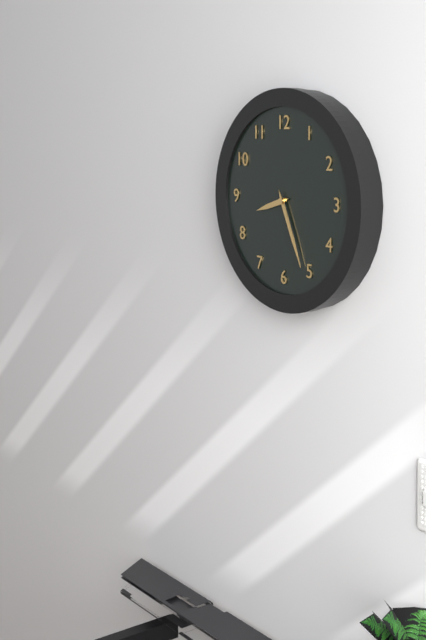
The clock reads **8:26**
